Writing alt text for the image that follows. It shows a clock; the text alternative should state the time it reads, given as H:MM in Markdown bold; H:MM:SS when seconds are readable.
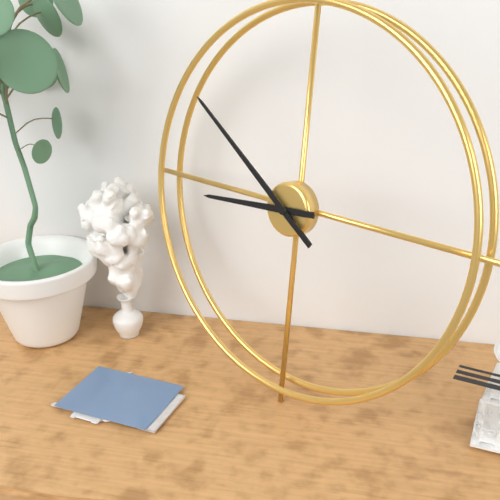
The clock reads **8:51**
